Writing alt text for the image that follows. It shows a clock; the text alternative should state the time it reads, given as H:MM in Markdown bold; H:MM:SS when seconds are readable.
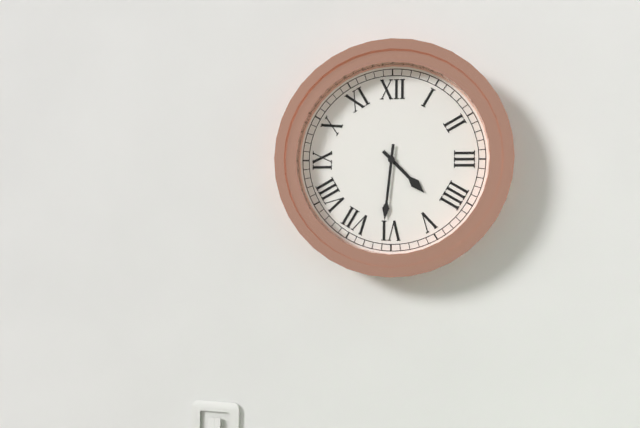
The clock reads **4:31**
